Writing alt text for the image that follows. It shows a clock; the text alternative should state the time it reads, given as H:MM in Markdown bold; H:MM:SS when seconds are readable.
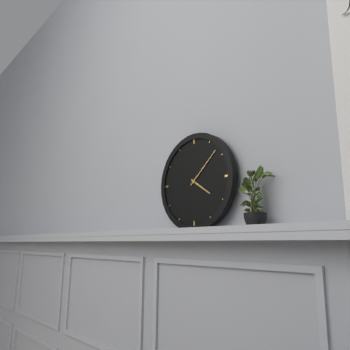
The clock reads **4:08**
